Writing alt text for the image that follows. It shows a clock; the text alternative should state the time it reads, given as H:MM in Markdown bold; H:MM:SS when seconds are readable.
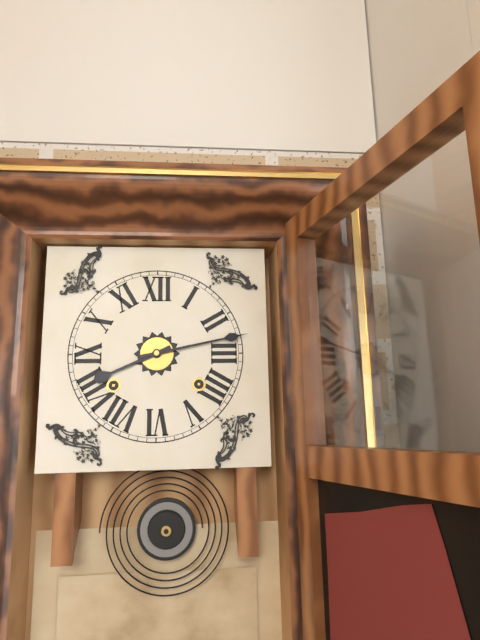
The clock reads **8:13**
